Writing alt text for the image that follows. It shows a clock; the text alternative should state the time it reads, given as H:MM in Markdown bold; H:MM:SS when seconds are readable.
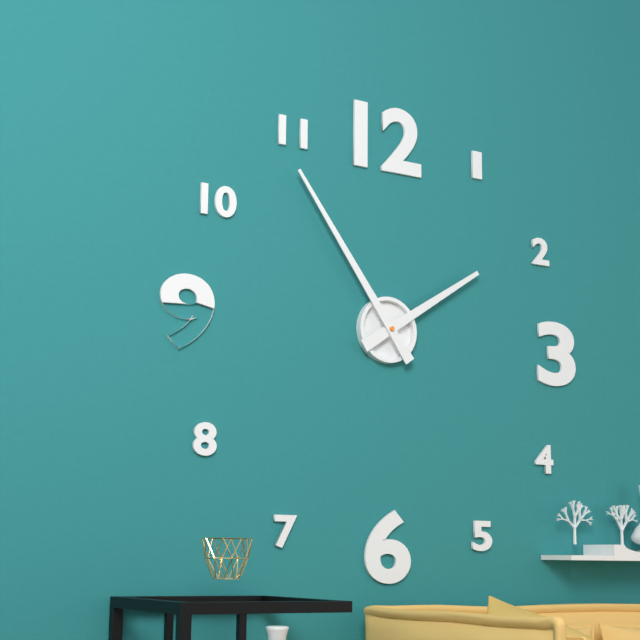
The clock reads **1:54**
